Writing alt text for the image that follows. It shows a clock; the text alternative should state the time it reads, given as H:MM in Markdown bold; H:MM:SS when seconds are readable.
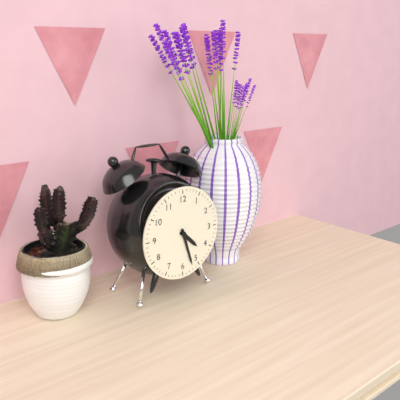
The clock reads **4:27**
